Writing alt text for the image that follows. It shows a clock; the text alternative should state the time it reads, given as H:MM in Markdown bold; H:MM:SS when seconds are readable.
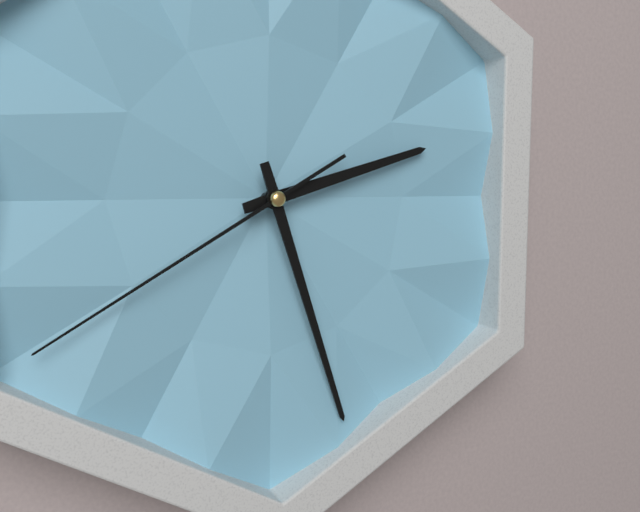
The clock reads **2:27:40**
